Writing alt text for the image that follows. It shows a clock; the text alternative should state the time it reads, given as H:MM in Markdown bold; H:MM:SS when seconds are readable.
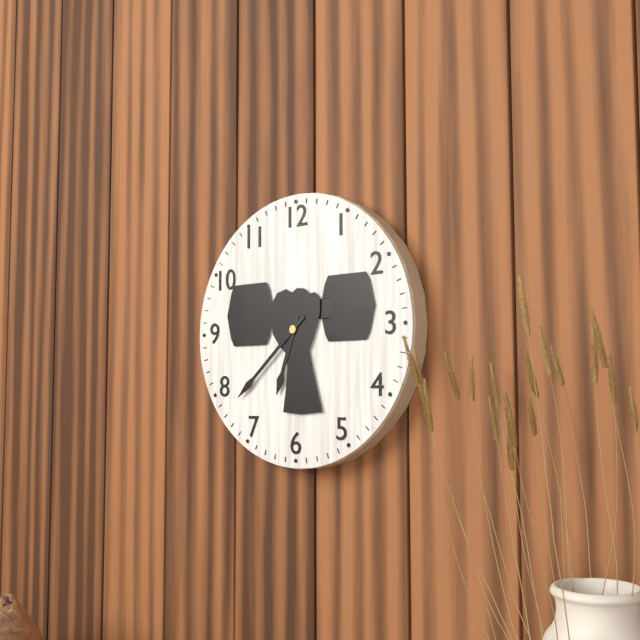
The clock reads **6:38**
